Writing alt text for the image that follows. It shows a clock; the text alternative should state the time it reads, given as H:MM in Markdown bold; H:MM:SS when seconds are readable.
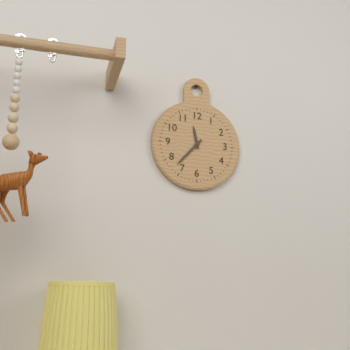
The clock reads **11:37**
